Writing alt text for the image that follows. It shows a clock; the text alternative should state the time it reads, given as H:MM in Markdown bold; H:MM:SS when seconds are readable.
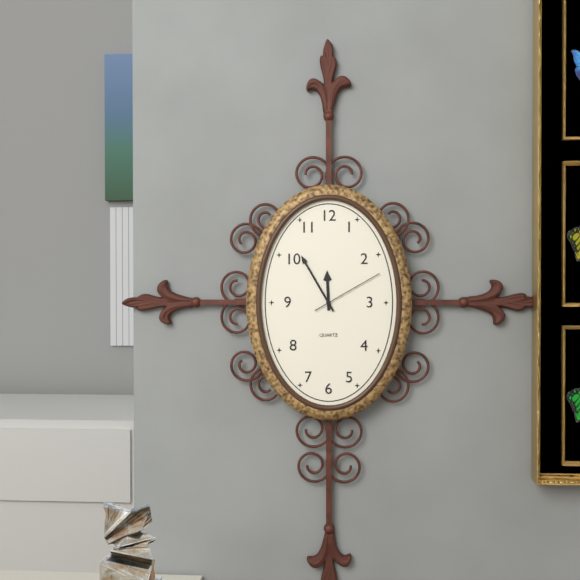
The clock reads **11:55:10**
